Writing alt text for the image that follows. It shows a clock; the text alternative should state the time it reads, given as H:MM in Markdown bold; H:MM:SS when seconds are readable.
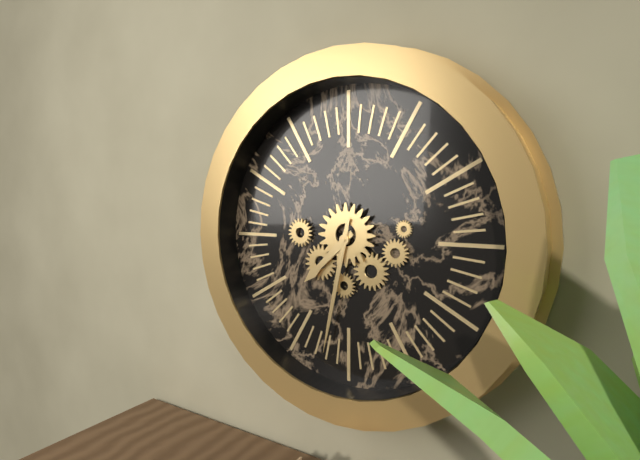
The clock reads **7:32**
